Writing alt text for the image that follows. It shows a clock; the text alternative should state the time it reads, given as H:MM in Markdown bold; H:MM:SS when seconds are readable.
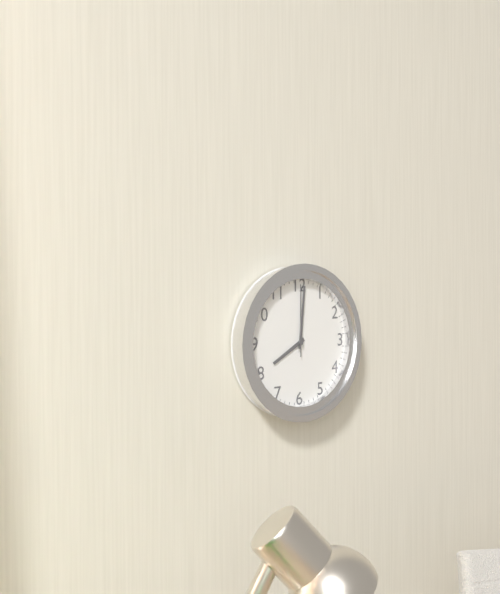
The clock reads **8:01:00**
